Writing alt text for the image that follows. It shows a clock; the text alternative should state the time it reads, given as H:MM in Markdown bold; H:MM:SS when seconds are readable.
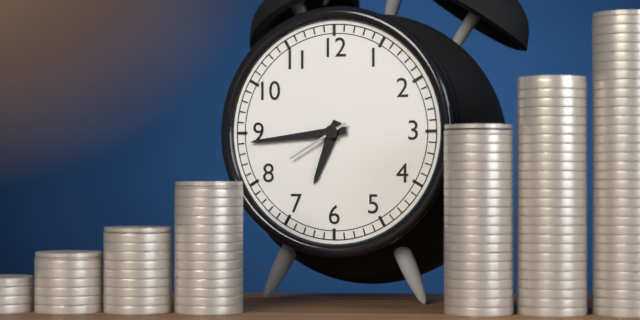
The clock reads **6:44:40**
